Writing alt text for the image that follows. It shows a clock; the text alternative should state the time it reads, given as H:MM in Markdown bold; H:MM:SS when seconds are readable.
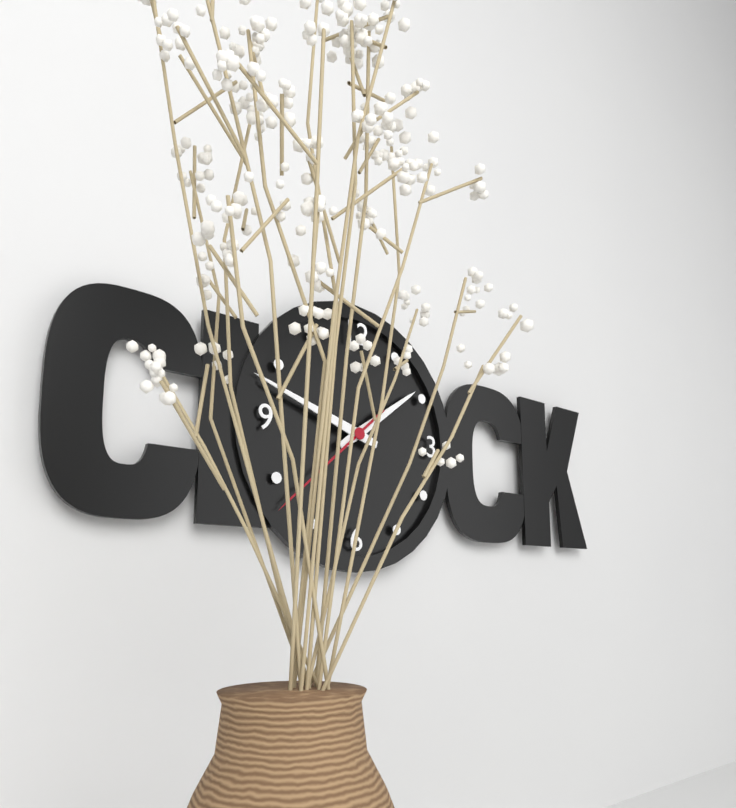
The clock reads **1:48:38**
